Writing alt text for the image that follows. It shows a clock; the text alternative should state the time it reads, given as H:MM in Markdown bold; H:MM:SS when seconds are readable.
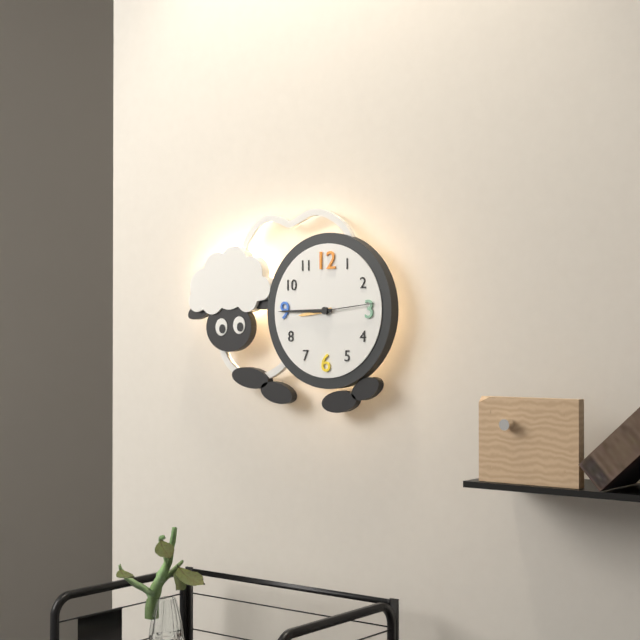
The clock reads **8:45:14**
